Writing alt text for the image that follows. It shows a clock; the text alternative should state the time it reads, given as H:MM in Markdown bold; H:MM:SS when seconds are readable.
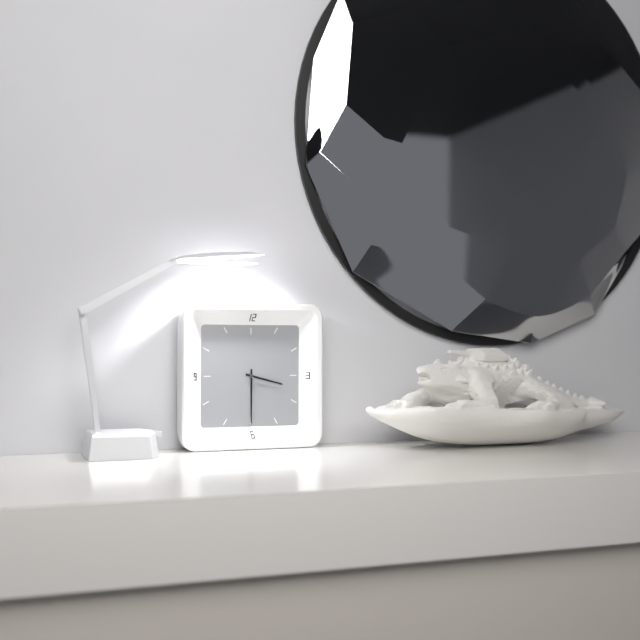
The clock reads **3:30**
